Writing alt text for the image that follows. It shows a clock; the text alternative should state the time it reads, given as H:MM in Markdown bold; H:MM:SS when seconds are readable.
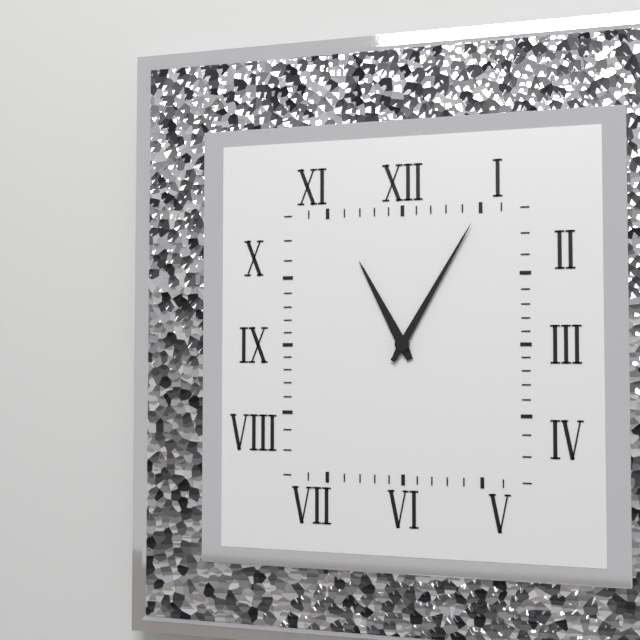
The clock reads **11:05**
